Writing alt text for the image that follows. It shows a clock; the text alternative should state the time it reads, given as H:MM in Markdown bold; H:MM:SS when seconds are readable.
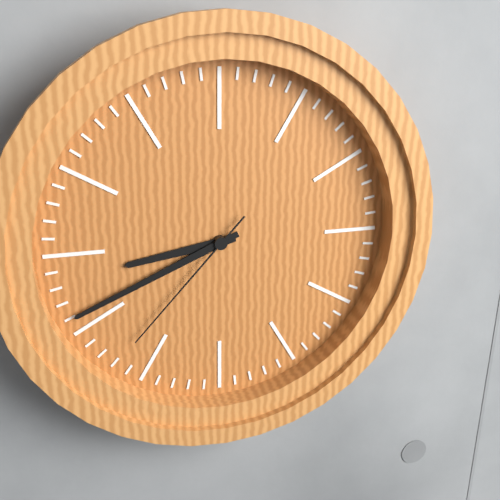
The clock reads **8:41:37**
